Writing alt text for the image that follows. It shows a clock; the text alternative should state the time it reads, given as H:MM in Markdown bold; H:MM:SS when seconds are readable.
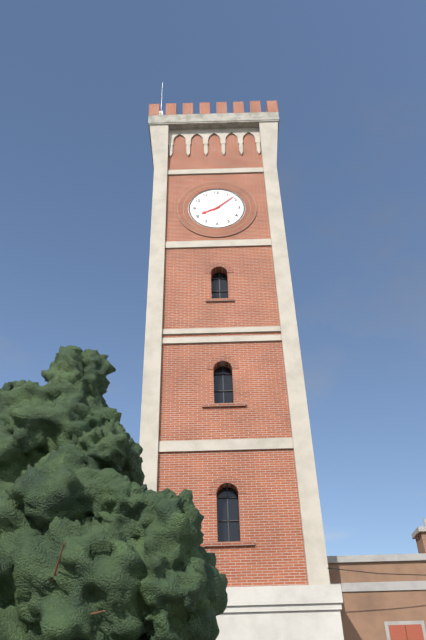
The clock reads **8:08**
